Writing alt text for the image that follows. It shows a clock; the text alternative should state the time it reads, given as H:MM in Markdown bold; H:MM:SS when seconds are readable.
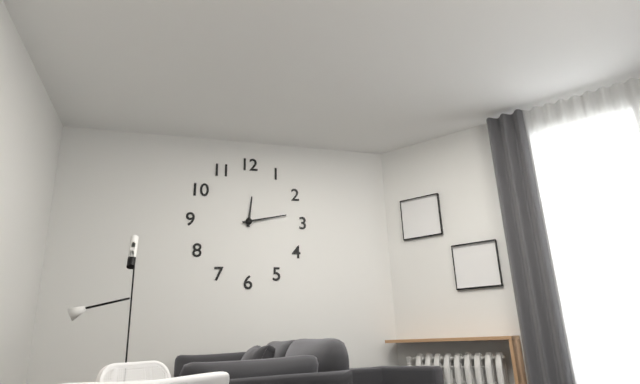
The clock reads **12:13**
